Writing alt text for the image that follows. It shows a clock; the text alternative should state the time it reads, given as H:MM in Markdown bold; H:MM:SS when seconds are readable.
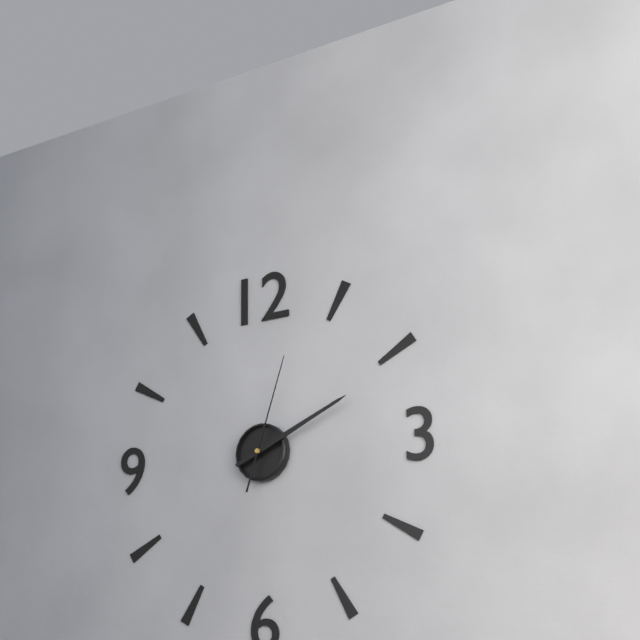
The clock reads **2:11:03**
